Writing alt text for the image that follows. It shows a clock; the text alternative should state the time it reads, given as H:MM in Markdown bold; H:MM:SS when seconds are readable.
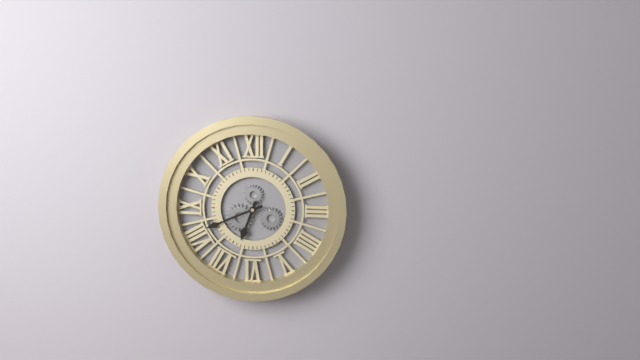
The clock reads **6:41**
